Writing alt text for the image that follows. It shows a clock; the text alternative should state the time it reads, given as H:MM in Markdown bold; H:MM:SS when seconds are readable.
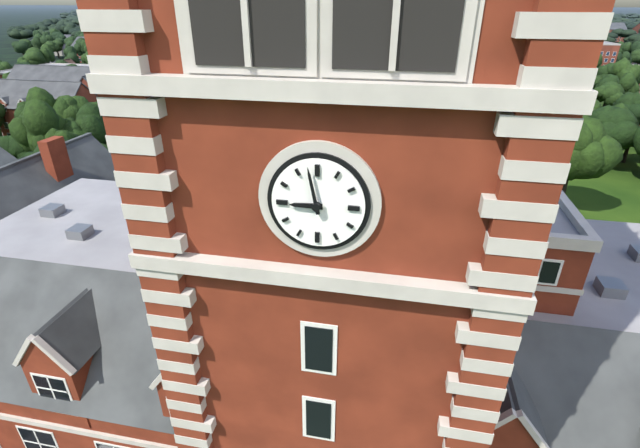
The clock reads **8:58**
